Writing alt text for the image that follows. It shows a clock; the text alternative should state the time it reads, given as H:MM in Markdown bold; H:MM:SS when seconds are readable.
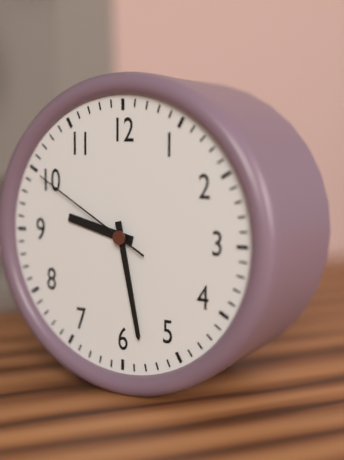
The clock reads **9:28:50**
